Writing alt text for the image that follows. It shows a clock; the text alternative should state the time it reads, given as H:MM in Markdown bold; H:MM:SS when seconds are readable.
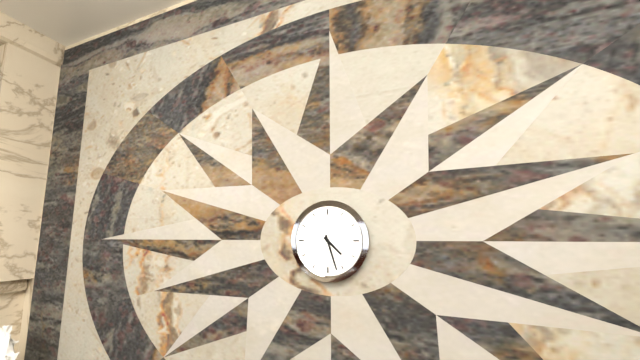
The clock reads **4:27**
